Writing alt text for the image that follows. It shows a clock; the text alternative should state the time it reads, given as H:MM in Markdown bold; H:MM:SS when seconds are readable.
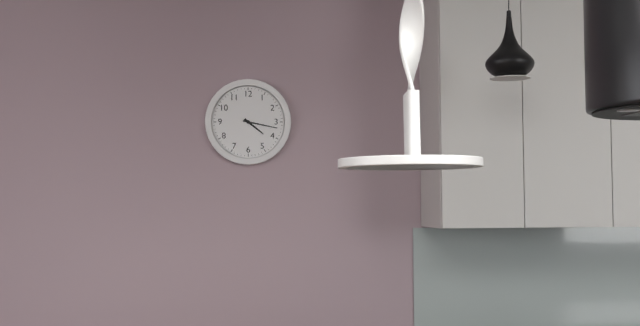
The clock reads **4:17**
